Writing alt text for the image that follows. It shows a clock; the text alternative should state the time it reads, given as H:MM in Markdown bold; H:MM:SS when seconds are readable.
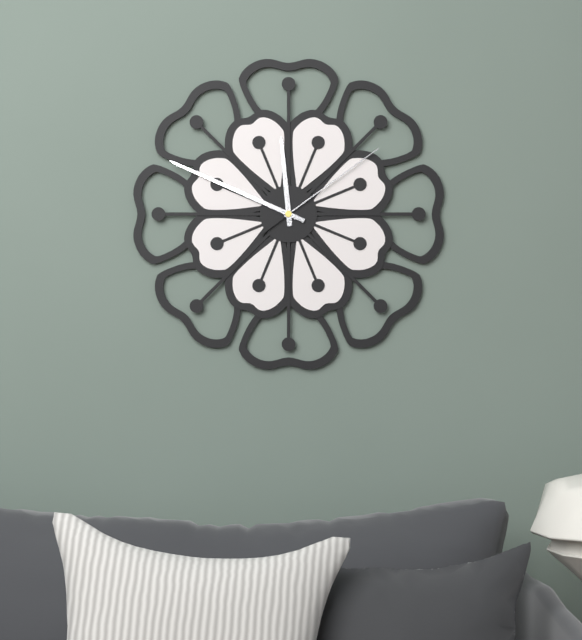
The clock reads **11:49:09**
